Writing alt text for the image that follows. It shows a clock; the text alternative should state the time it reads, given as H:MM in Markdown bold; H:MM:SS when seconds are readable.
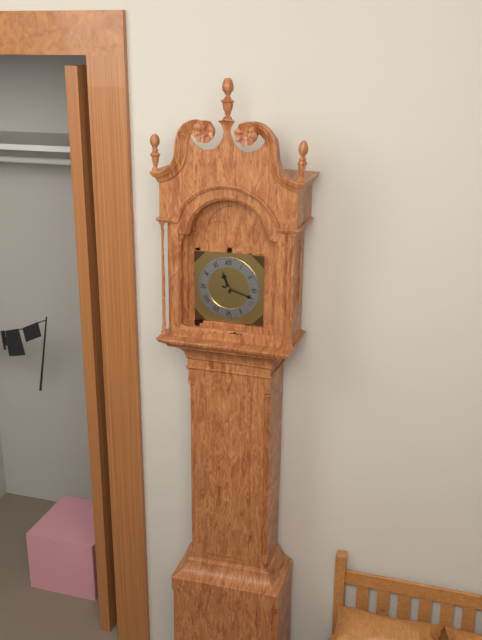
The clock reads **11:18**
